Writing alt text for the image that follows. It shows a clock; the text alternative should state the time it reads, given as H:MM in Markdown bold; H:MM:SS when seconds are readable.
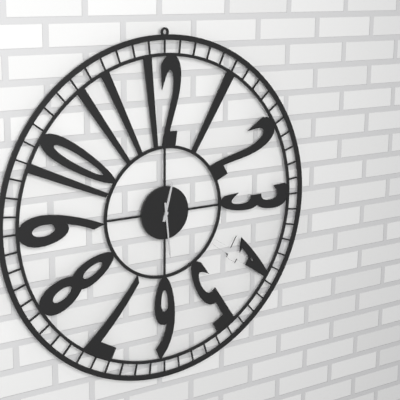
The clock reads **12:29**
